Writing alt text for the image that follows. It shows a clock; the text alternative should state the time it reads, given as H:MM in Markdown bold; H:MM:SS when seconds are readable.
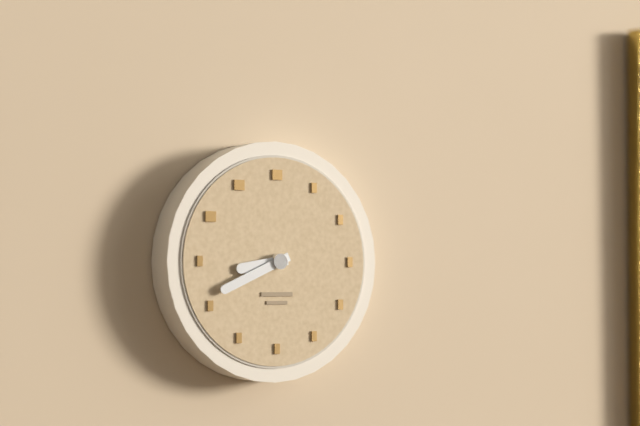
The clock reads **8:41**
